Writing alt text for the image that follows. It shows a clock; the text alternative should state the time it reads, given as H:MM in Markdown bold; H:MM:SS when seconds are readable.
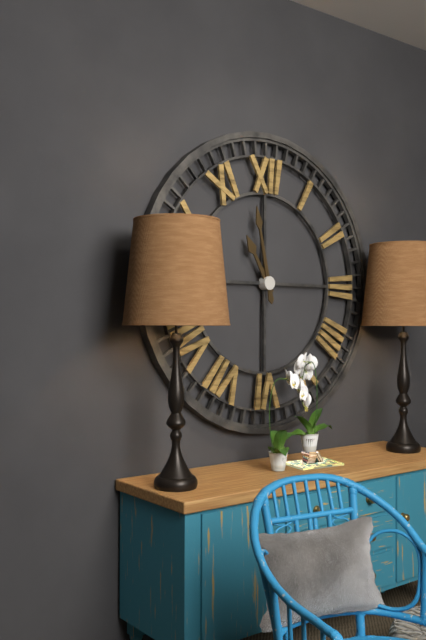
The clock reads **10:58**
